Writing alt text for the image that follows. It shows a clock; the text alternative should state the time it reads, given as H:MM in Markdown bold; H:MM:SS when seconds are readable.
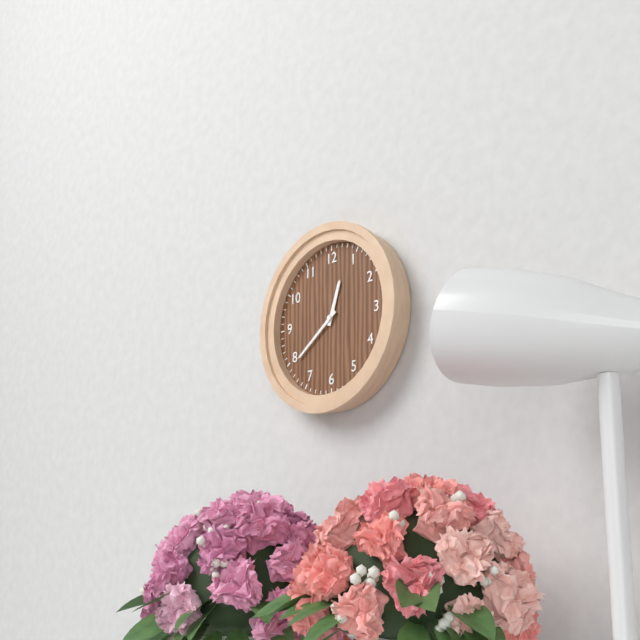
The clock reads **12:39**
